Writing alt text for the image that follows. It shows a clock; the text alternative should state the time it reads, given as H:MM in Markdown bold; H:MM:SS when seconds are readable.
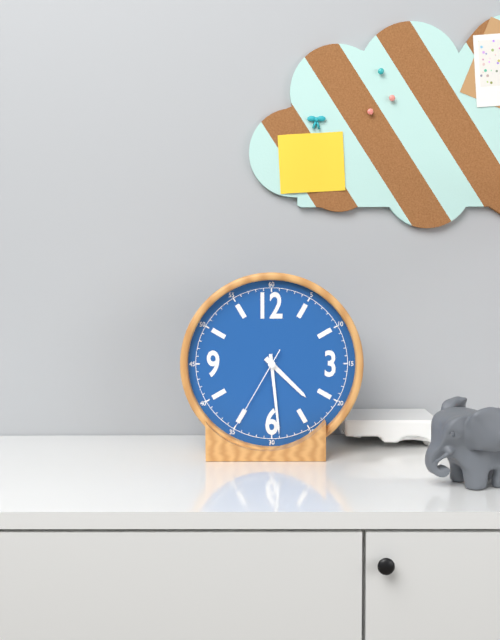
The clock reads **4:29:35**
